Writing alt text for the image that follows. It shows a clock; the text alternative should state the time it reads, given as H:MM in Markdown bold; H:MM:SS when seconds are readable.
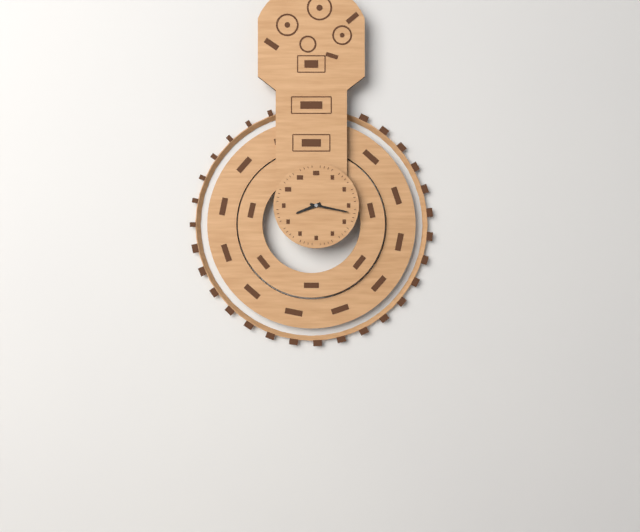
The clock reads **8:17**
